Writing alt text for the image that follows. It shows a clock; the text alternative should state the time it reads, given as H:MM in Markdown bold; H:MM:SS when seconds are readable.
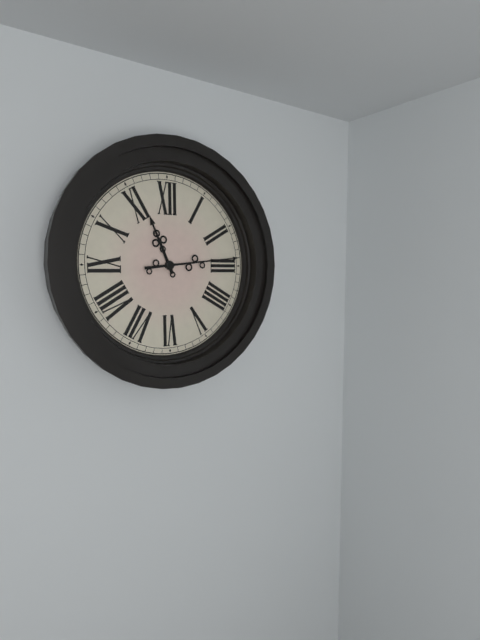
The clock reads **11:14**
